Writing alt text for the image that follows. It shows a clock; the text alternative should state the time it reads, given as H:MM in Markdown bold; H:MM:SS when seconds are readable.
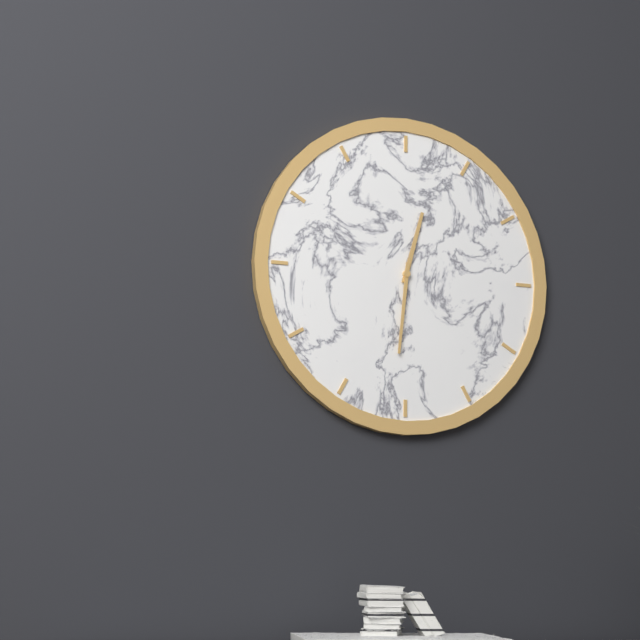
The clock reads **12:31**
